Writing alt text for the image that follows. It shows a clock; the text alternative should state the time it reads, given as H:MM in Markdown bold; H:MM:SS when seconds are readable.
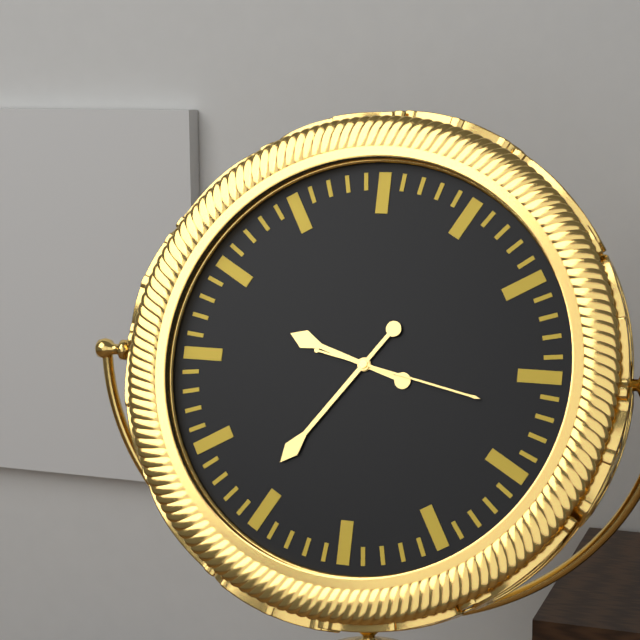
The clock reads **9:36:17**
